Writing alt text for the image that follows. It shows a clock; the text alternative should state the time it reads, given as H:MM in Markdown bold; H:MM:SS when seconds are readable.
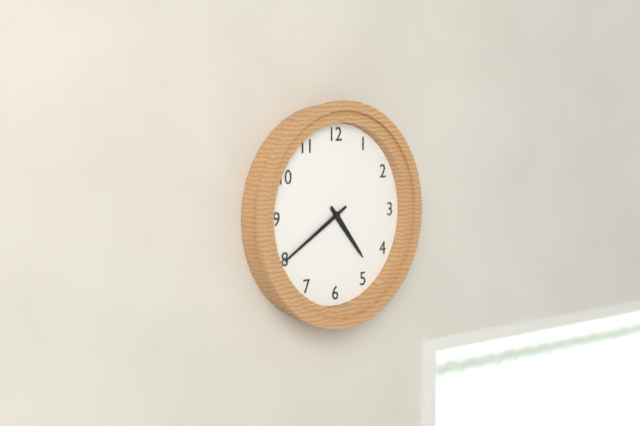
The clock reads **4:40**
